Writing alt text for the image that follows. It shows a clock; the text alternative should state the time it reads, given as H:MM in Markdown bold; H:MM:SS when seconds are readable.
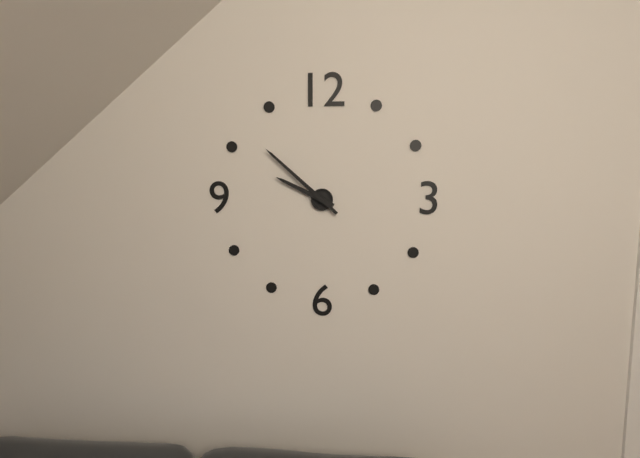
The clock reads **9:52**
